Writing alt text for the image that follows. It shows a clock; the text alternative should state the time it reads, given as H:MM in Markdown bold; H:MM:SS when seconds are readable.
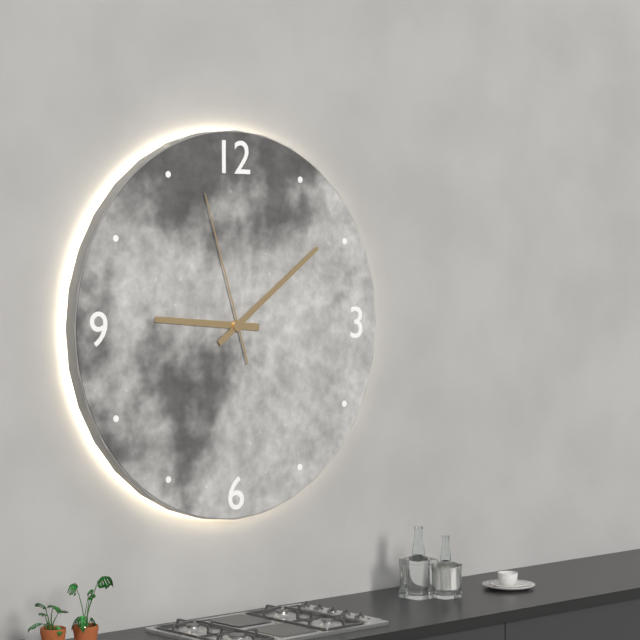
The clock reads **9:09:57**
